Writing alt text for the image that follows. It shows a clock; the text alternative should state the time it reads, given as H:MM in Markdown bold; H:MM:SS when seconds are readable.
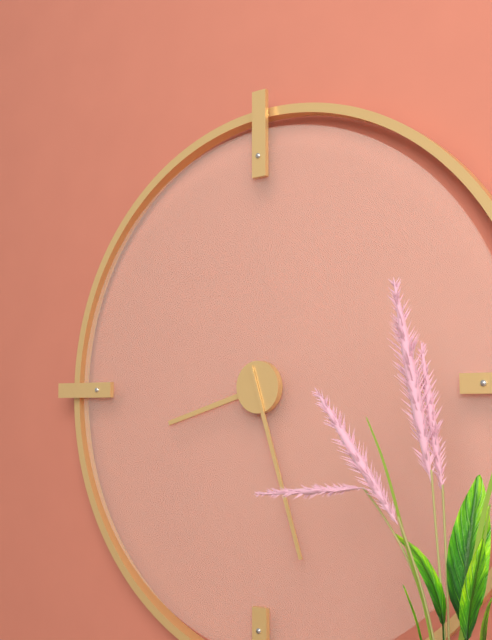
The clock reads **8:27**
